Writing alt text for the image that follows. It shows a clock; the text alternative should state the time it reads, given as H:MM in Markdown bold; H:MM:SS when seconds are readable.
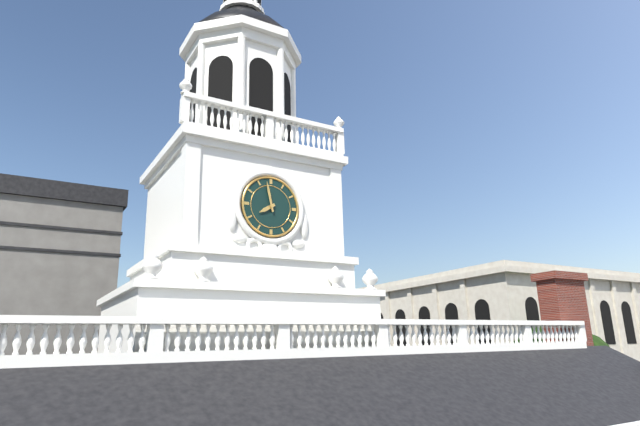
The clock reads **7:58**
